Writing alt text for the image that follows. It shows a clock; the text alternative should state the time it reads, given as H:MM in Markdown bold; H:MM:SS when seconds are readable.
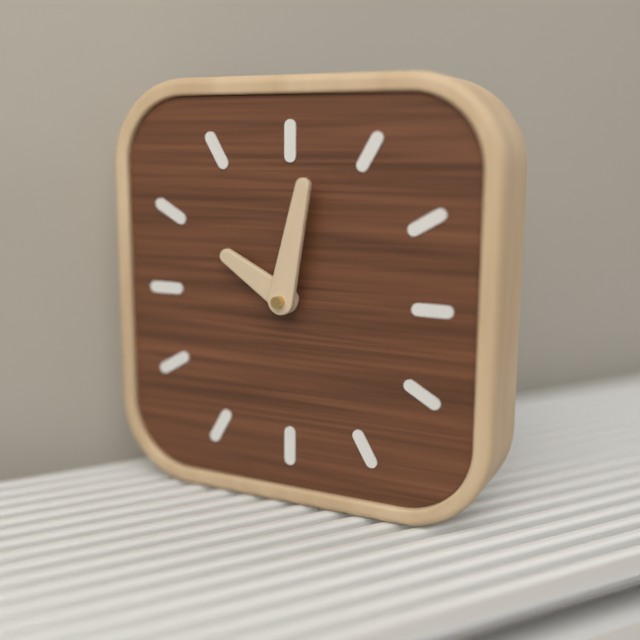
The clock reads **10:02**
